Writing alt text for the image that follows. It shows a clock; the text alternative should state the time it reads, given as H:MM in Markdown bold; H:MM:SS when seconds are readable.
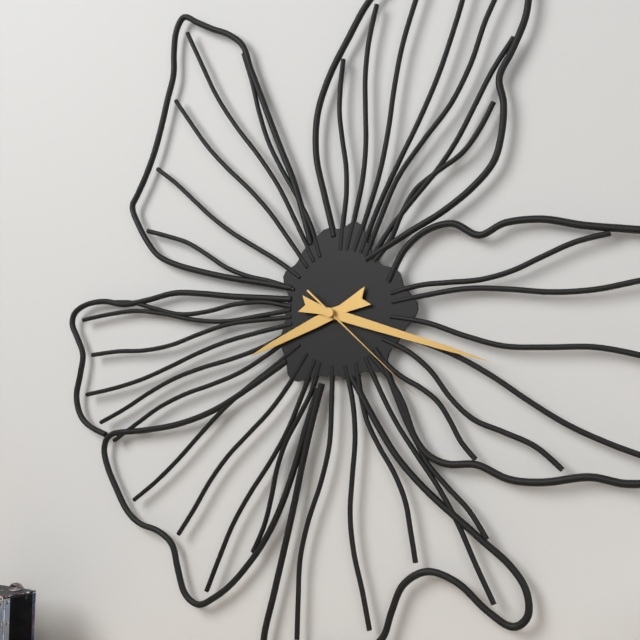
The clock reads **8:18:22**
